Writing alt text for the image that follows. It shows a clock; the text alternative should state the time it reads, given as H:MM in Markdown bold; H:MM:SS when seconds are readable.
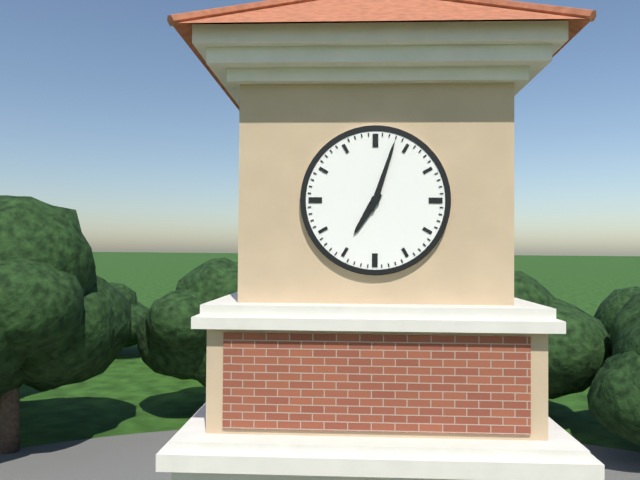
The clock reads **7:03**
